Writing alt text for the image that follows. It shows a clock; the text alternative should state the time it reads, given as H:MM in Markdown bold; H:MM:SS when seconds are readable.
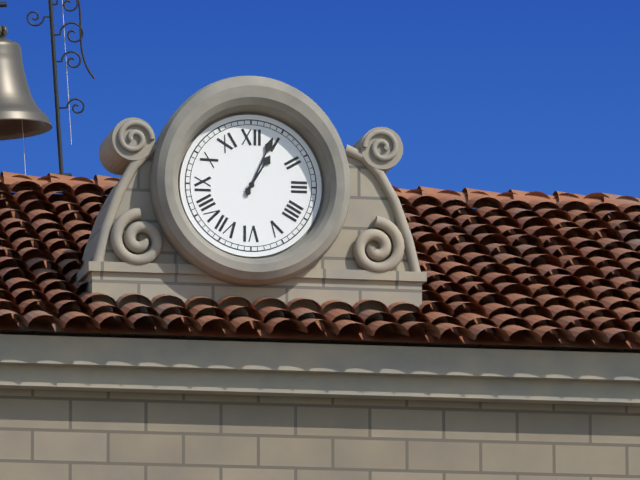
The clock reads **1:04**
